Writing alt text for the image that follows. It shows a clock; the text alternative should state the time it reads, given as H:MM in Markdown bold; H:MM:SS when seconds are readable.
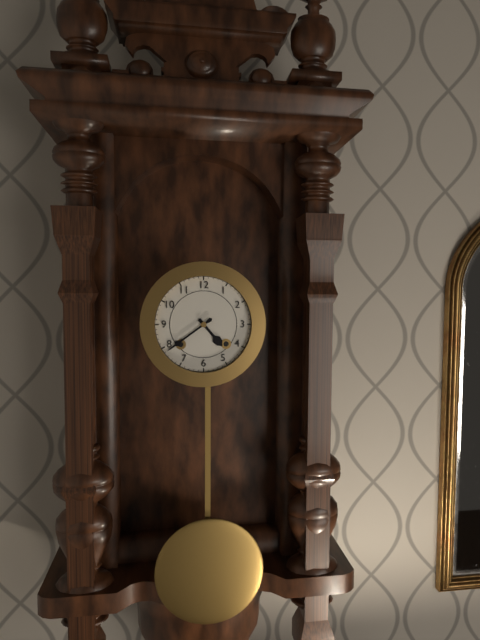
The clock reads **4:39**
